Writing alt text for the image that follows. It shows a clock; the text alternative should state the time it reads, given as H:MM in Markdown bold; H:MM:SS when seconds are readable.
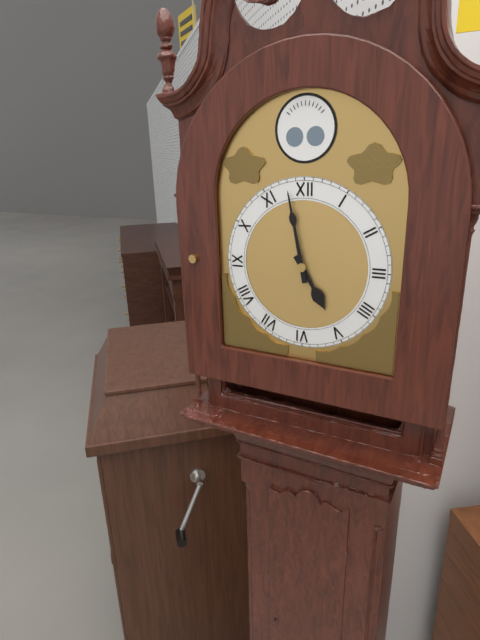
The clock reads **4:58**
